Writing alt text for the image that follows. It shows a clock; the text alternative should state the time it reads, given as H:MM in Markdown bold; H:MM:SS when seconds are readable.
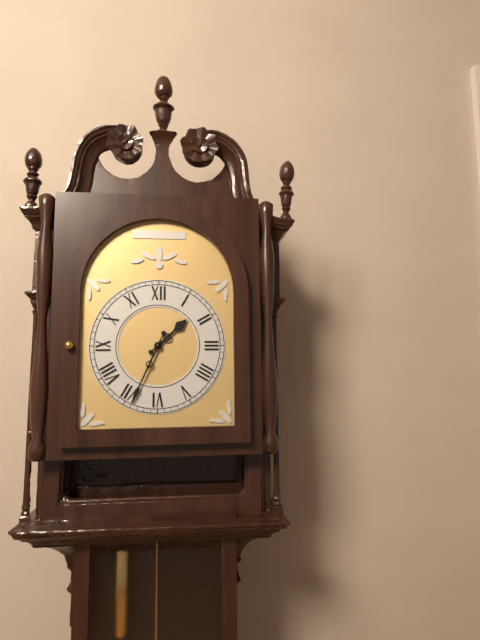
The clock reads **1:34**
